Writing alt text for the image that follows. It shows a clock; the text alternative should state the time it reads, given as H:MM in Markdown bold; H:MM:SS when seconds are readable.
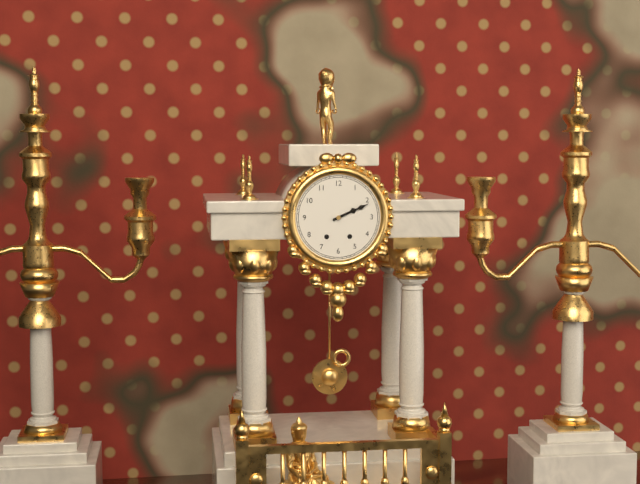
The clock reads **2:11**
